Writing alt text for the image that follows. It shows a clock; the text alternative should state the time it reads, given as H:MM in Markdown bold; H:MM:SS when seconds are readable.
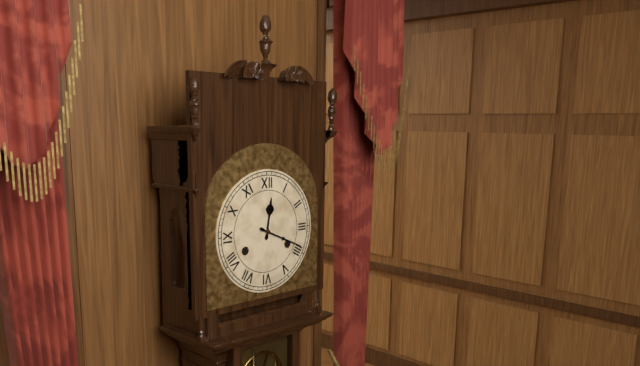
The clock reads **12:19**
